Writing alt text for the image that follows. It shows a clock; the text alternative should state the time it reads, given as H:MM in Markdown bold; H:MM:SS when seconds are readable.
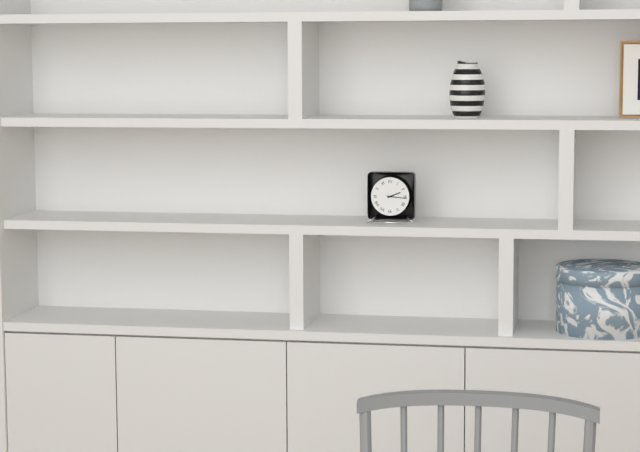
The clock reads **2:16**
